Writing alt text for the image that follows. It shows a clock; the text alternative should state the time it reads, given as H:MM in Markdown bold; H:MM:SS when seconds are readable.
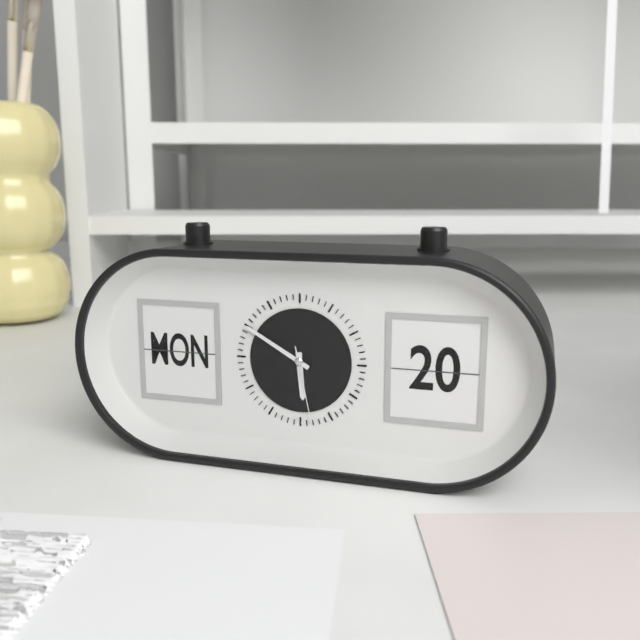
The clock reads **5:50:28**
